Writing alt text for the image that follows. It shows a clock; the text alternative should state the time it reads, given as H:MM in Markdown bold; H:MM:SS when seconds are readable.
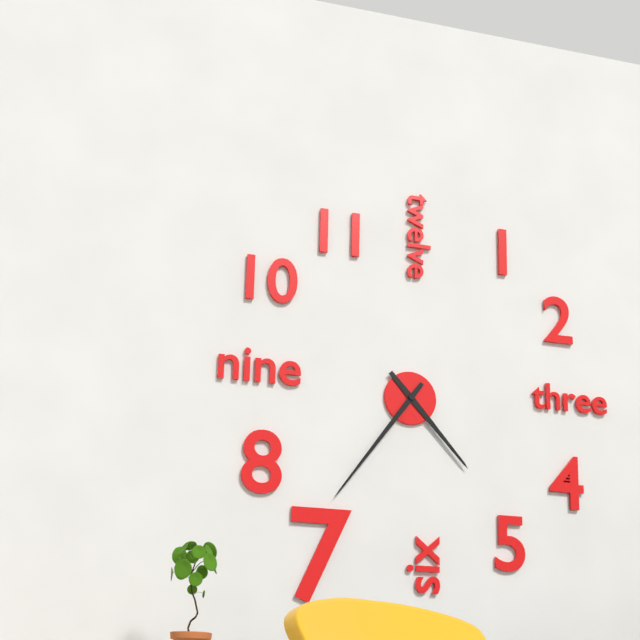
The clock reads **4:36**
